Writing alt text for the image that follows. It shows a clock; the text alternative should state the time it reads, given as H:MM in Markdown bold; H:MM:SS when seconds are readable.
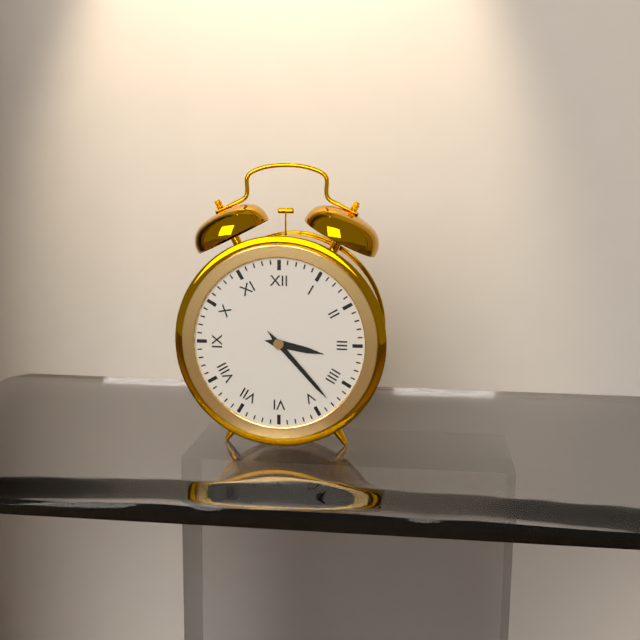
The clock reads **3:23**
